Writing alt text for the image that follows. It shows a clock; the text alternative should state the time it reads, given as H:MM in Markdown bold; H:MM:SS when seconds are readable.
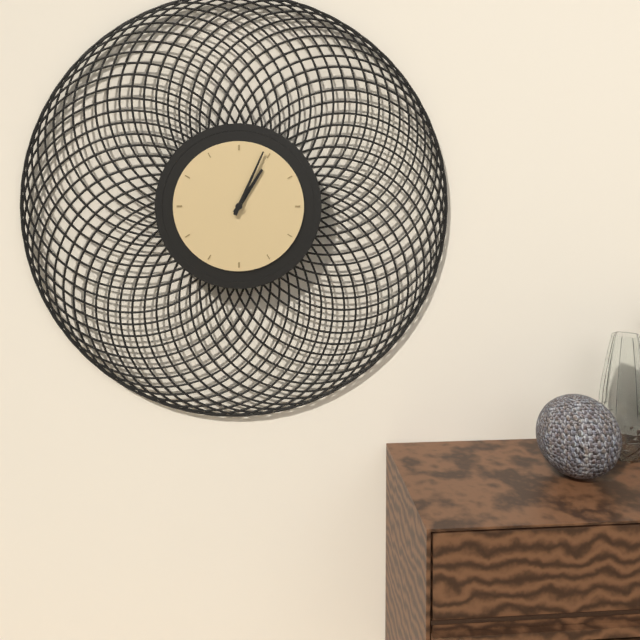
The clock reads **1:04**
